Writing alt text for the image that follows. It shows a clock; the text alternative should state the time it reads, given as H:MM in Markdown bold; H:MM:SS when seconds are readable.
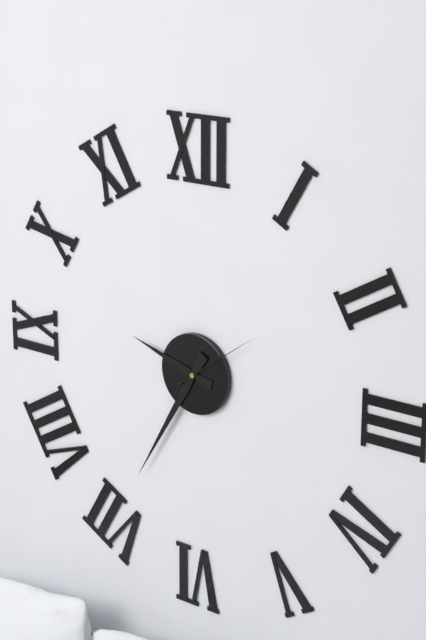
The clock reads **9:35:09**
